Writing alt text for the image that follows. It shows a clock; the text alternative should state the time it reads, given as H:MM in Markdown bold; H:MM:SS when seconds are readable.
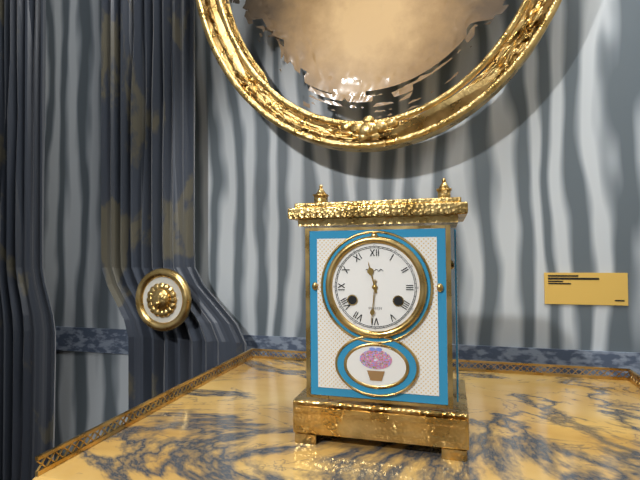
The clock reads **11:31**
